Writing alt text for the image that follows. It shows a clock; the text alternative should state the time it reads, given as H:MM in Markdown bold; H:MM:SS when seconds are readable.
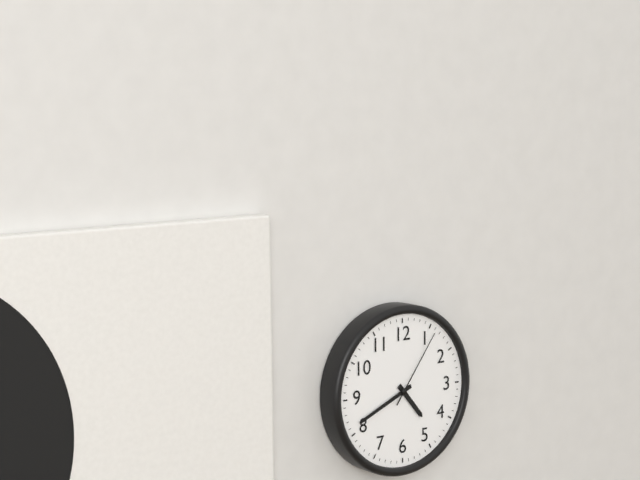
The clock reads **4:41:06**
